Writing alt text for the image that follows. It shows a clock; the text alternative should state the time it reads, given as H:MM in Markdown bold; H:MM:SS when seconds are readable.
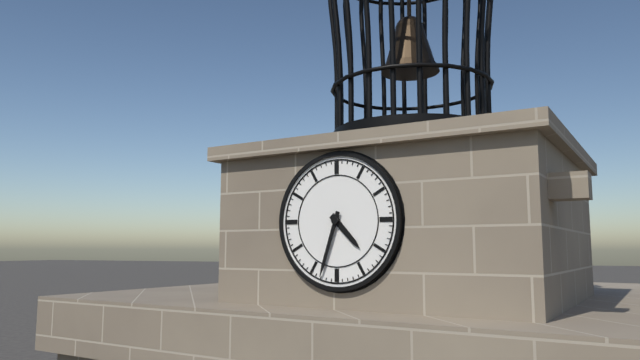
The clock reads **4:33**
